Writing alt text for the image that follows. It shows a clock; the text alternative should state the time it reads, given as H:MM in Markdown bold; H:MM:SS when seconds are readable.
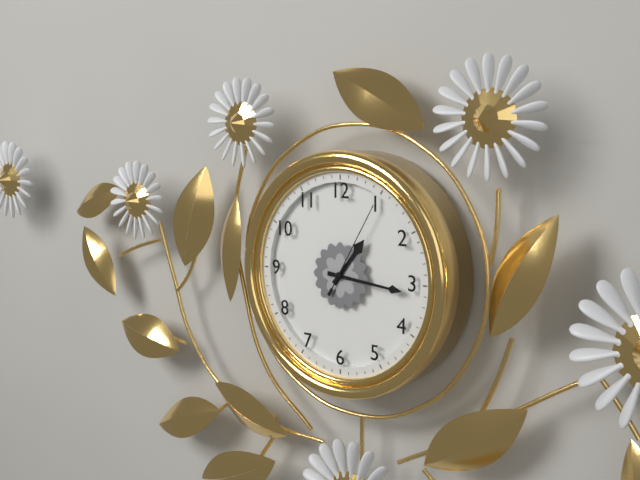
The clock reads **1:16:05**
